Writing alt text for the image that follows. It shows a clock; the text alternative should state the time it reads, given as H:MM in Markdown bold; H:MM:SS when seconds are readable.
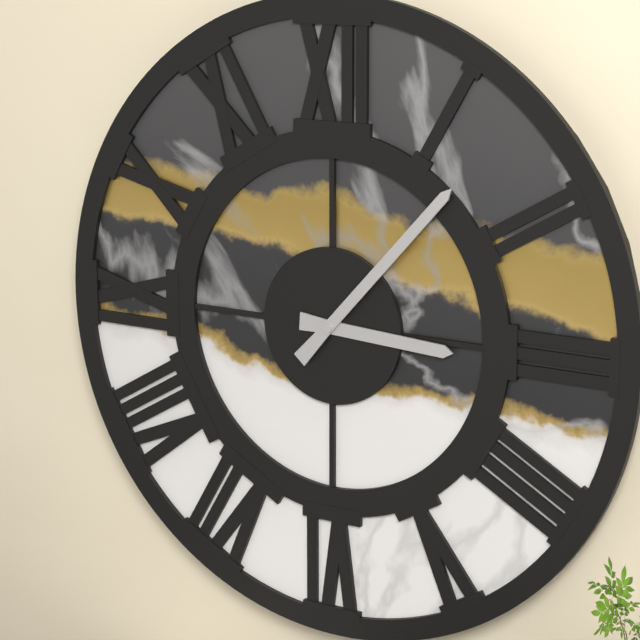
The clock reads **3:07**
